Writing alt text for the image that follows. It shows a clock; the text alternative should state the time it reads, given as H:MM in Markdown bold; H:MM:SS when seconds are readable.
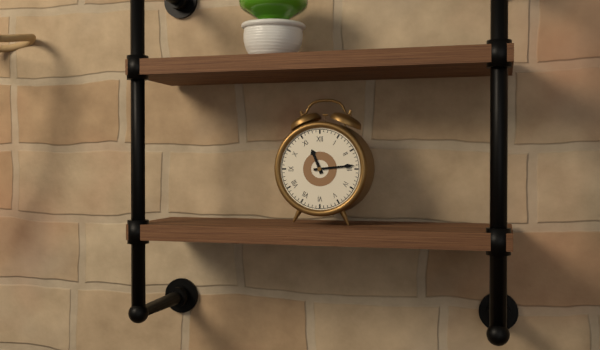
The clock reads **11:14**
